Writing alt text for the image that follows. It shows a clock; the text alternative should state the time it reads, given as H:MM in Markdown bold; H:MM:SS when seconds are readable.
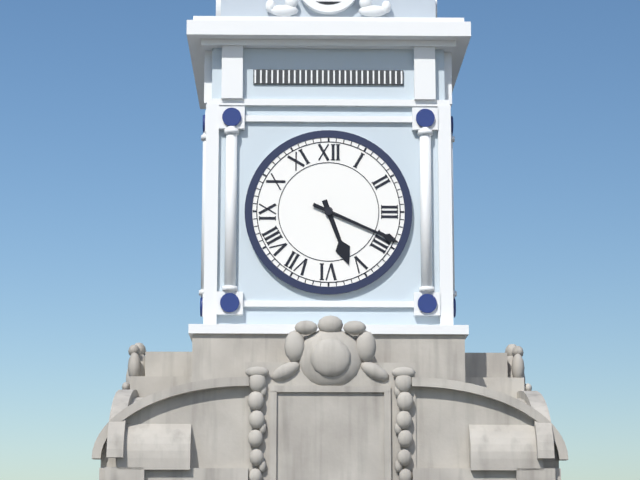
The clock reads **5:19**
